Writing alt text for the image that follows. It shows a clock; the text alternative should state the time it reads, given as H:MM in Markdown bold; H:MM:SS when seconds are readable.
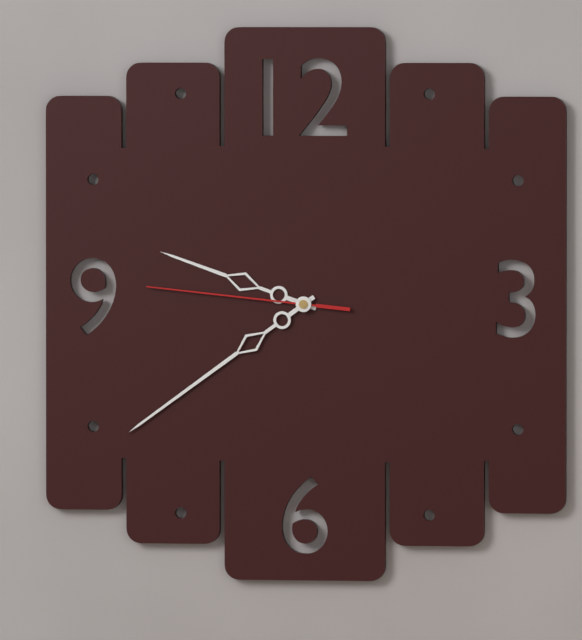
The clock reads **9:39:46**
